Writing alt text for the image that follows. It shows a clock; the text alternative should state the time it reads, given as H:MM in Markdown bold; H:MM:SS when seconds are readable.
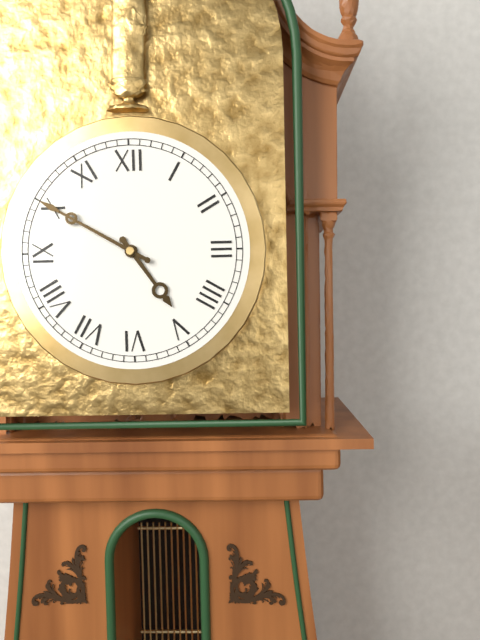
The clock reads **4:50**
